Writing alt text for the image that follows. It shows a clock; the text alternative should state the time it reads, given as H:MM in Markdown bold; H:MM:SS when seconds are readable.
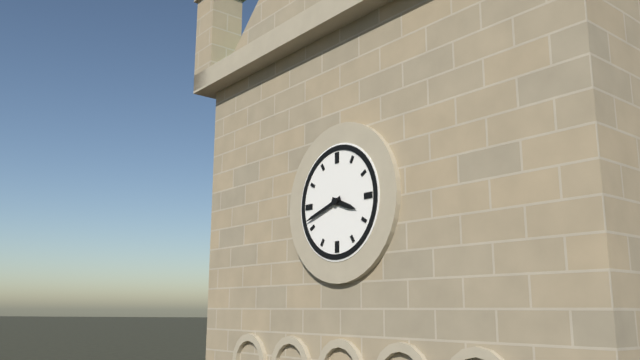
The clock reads **3:42**
